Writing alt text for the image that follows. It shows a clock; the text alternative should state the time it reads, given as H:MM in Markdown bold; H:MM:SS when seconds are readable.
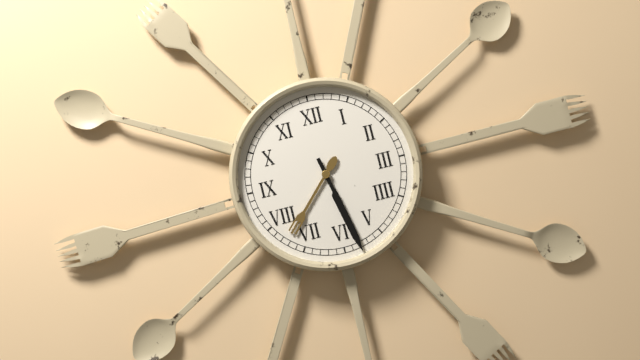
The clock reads **7:28**
